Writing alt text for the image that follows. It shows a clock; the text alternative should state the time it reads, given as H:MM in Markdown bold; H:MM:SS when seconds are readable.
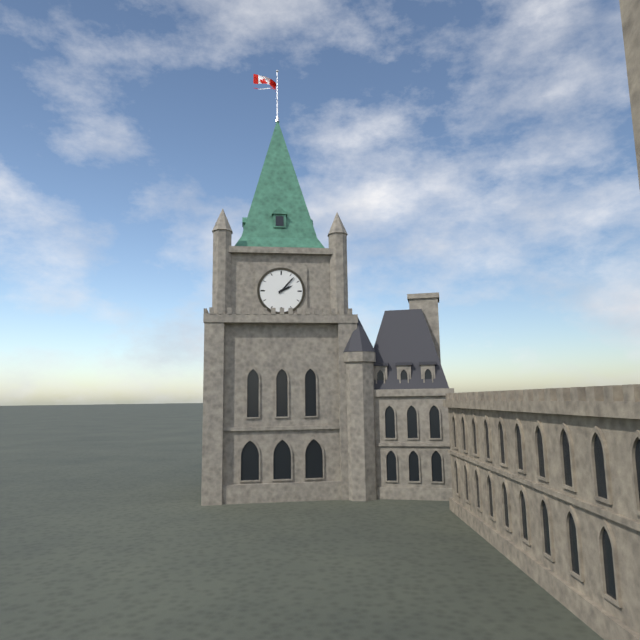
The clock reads **2:07**
